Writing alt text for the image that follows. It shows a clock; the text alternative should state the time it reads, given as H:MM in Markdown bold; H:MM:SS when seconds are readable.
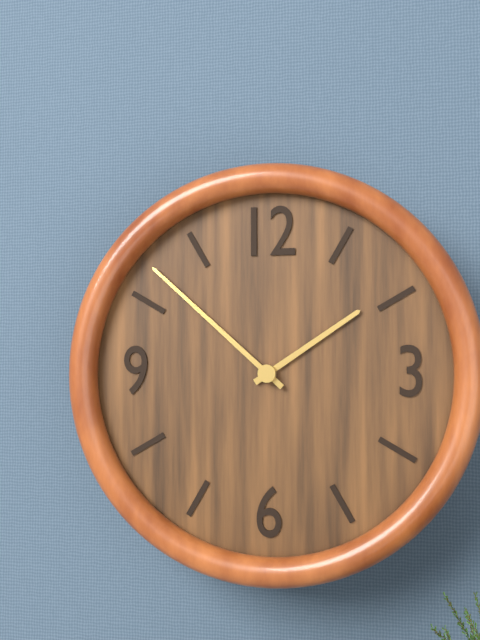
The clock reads **1:52**
